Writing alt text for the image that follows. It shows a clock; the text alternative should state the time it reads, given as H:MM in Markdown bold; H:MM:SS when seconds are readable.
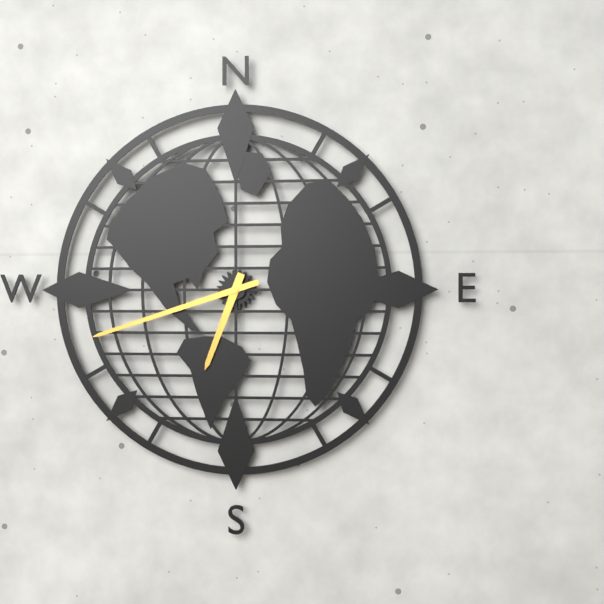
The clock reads **6:42**
